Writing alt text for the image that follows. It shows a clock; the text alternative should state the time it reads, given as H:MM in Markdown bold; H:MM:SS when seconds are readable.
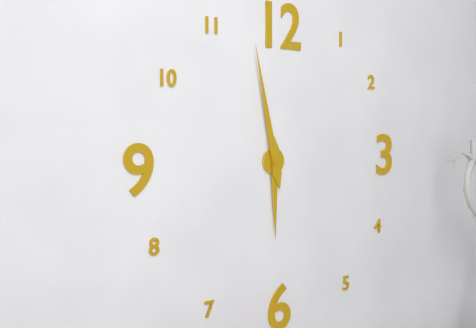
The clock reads **5:58**
